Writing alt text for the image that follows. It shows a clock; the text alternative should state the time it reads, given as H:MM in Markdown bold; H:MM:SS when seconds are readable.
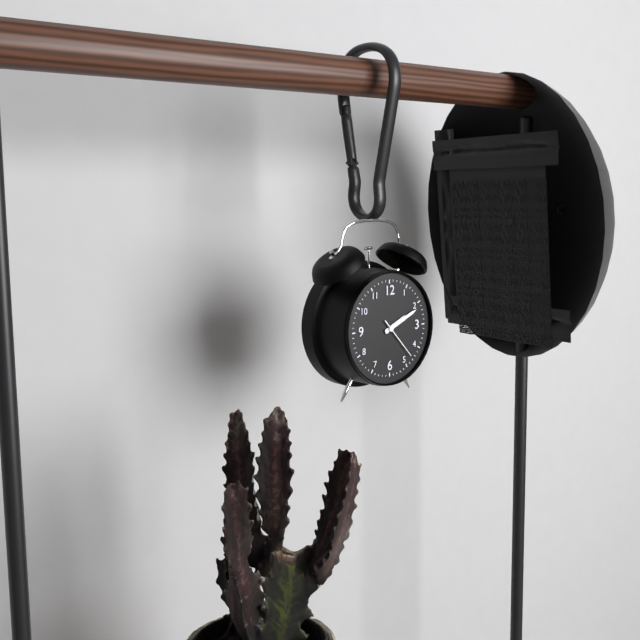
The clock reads **2:11**
